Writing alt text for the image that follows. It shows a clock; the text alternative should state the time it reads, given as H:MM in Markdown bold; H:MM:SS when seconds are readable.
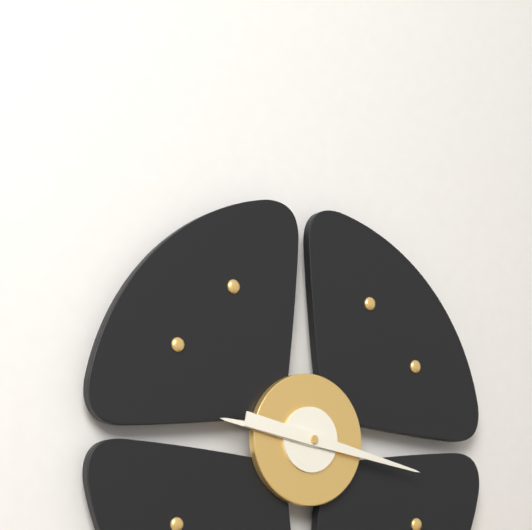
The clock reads **9:17**
